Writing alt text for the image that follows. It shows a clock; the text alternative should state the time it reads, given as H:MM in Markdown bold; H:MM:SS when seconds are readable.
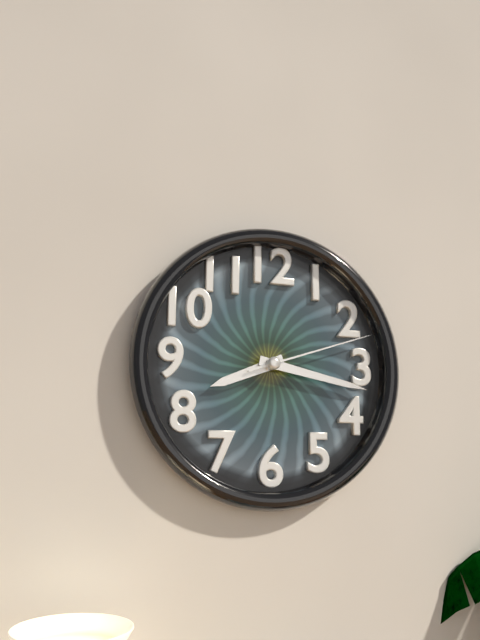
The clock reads **8:17:12**
